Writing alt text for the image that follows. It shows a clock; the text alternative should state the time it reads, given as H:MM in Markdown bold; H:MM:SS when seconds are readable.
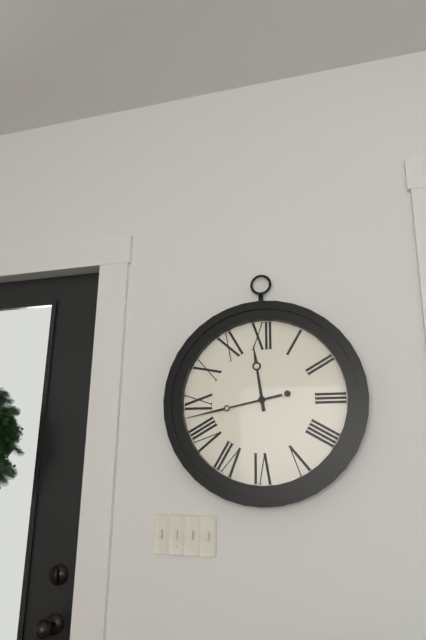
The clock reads **11:43**
